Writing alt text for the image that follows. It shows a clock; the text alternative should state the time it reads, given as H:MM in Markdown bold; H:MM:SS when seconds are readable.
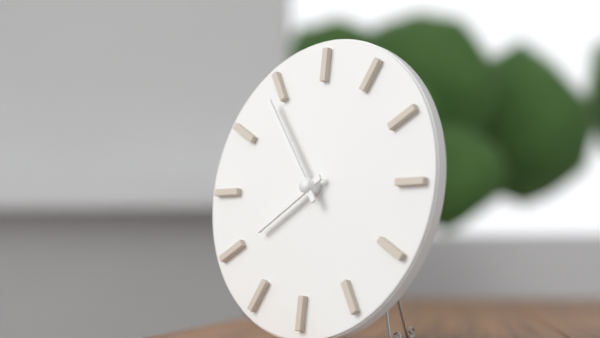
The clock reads **7:54**
